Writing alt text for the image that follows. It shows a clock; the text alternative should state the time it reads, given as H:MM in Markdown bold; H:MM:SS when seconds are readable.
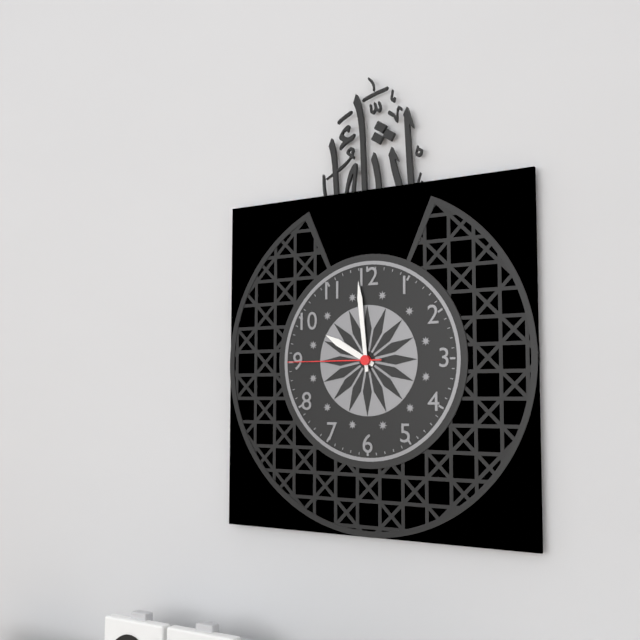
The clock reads **9:59:45**
